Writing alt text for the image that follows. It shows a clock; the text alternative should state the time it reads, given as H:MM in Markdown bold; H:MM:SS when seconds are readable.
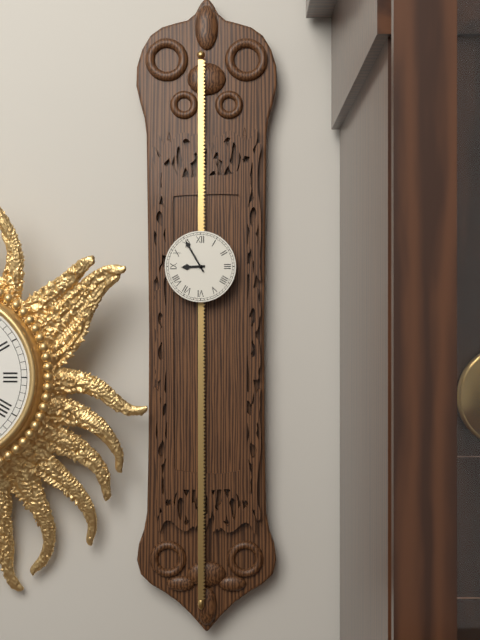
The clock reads **8:55**
